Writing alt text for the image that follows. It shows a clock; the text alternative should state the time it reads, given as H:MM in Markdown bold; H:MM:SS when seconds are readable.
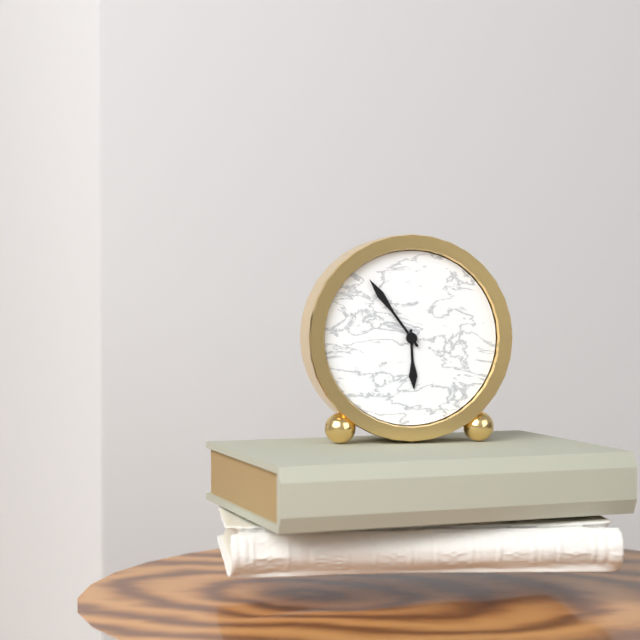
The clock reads **5:54**
